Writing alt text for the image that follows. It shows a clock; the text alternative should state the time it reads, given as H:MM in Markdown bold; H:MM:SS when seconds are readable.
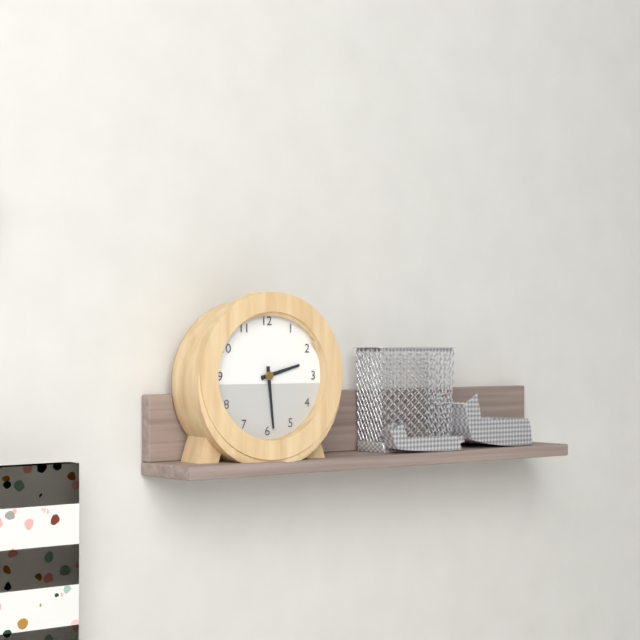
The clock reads **2:29**
